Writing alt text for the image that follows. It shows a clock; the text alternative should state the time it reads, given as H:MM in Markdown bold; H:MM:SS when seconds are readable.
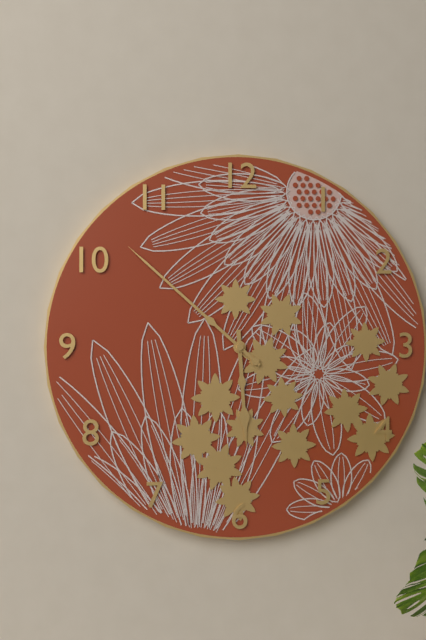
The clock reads **5:52**
